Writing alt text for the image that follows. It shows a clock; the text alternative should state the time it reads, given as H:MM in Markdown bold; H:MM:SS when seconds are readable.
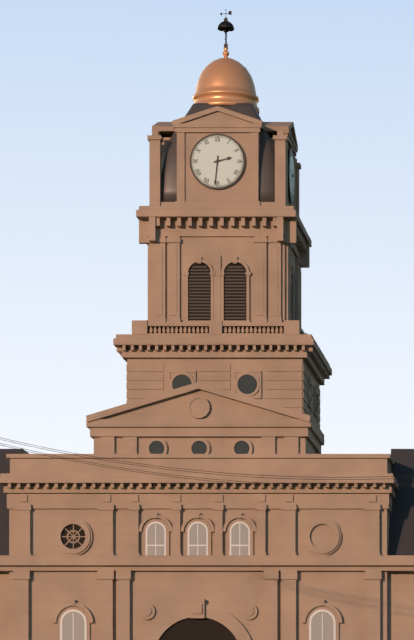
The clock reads **2:31**
